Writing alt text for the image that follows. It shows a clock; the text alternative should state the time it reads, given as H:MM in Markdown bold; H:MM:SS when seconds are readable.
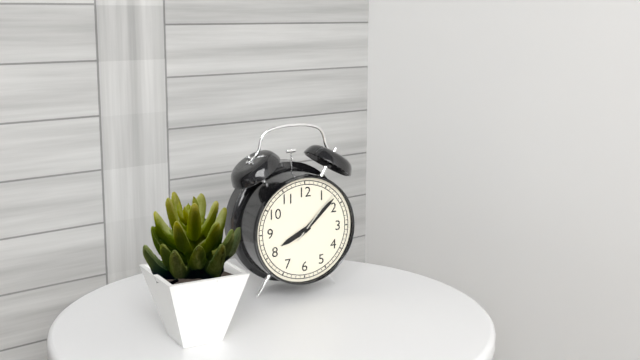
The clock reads **8:08:07**
